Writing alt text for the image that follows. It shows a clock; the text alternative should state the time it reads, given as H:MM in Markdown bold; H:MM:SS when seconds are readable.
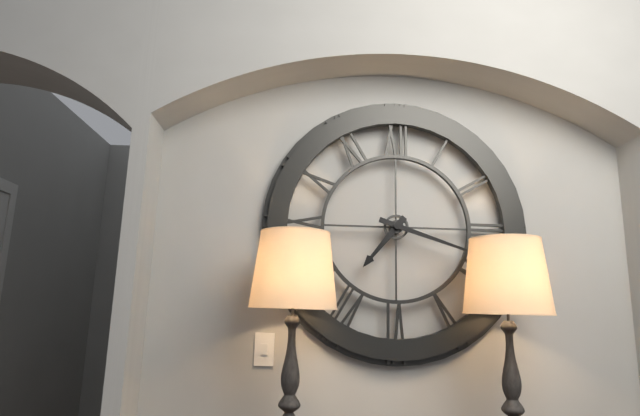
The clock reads **7:18**
